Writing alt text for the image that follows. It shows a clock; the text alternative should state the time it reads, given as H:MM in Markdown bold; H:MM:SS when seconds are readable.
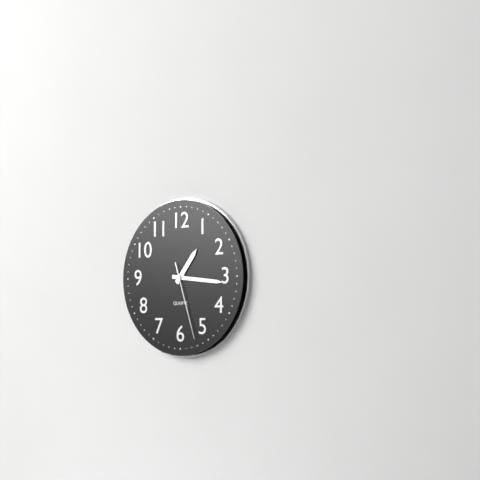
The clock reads **1:16:27**
